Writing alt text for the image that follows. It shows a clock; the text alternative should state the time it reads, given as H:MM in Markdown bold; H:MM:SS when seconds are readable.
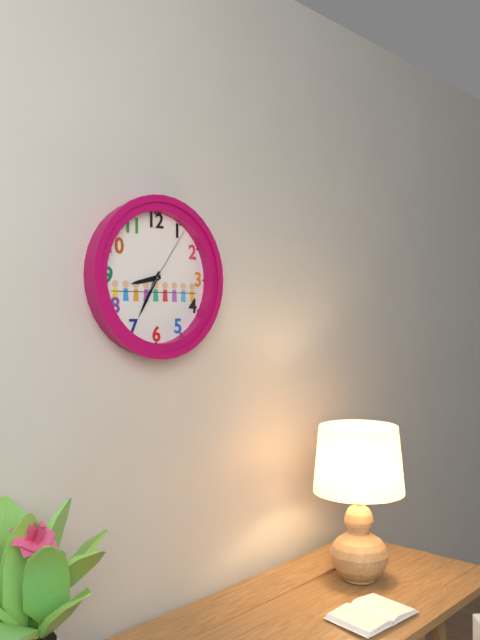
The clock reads **8:35:06**
